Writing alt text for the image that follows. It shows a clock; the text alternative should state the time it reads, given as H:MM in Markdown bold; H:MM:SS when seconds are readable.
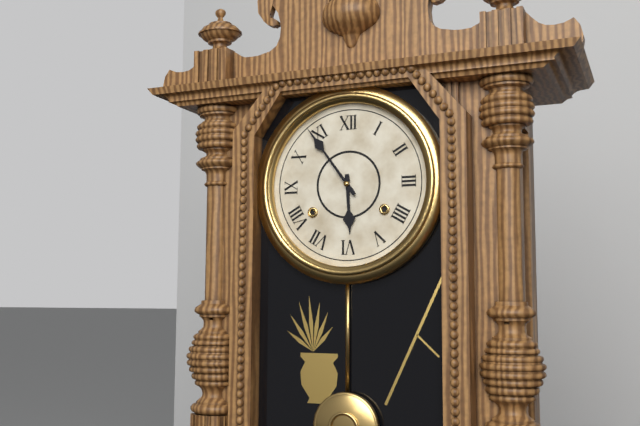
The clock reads **5:54**
